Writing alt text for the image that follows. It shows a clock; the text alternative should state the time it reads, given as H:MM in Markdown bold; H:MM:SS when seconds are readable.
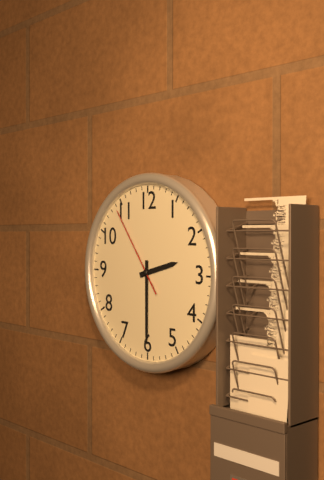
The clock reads **2:30:54**
